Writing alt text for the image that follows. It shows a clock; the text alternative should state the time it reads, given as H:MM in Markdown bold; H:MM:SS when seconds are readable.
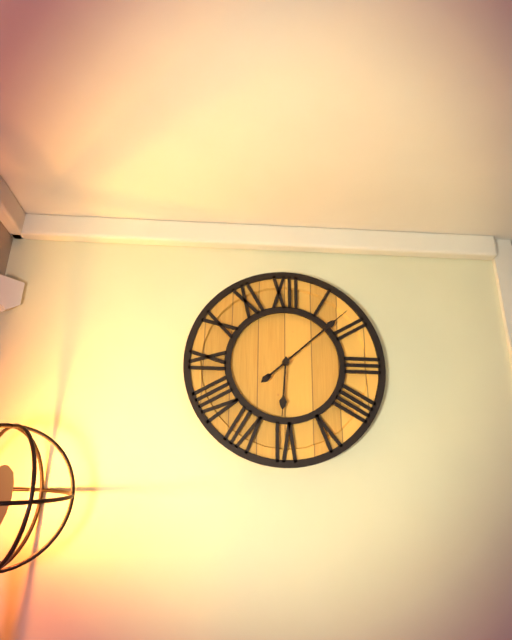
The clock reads **6:08**
